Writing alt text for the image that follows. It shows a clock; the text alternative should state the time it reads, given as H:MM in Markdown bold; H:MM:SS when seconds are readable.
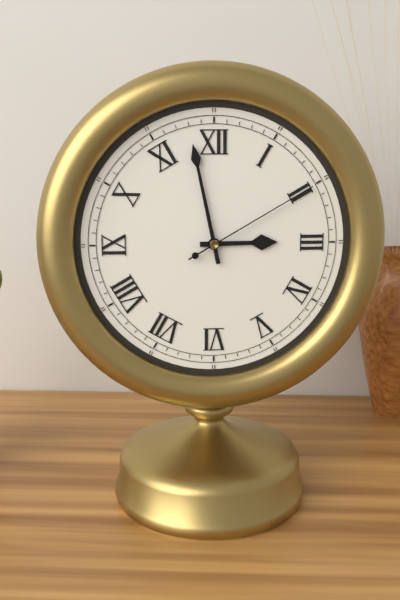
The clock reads **2:58:10**
